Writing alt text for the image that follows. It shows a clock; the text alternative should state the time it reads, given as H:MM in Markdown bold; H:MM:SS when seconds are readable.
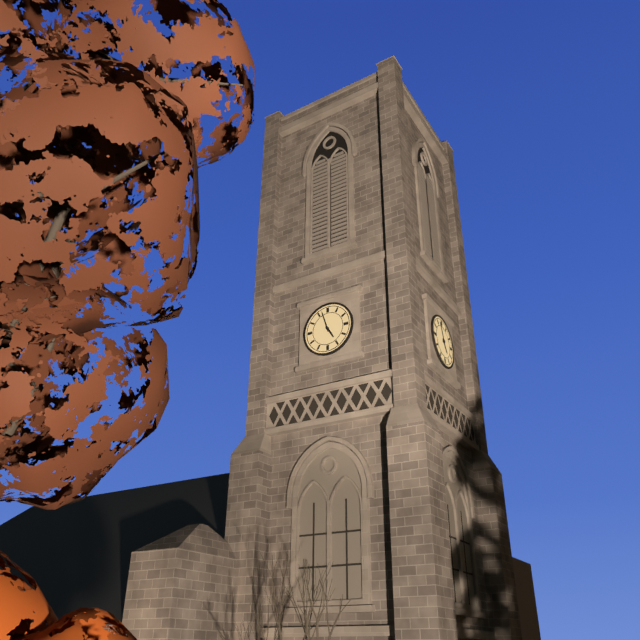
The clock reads **4:57**
